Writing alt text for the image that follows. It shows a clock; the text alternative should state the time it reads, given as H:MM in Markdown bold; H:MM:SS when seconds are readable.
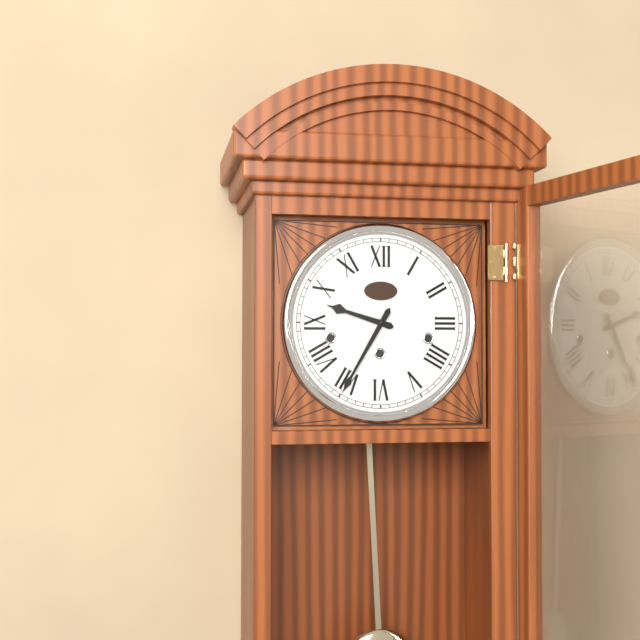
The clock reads **9:35**
